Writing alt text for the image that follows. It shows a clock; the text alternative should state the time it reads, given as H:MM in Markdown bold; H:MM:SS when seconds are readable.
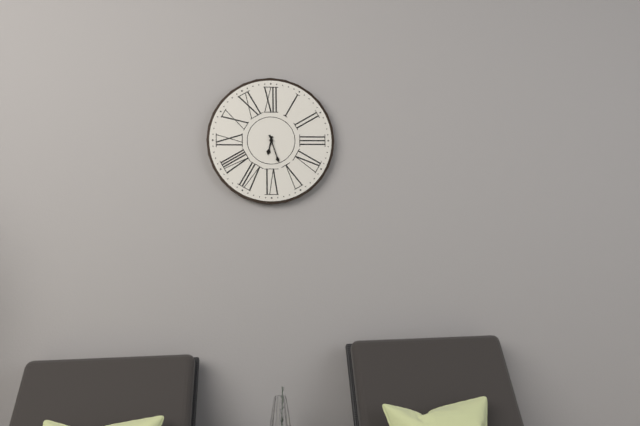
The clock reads **6:27**
